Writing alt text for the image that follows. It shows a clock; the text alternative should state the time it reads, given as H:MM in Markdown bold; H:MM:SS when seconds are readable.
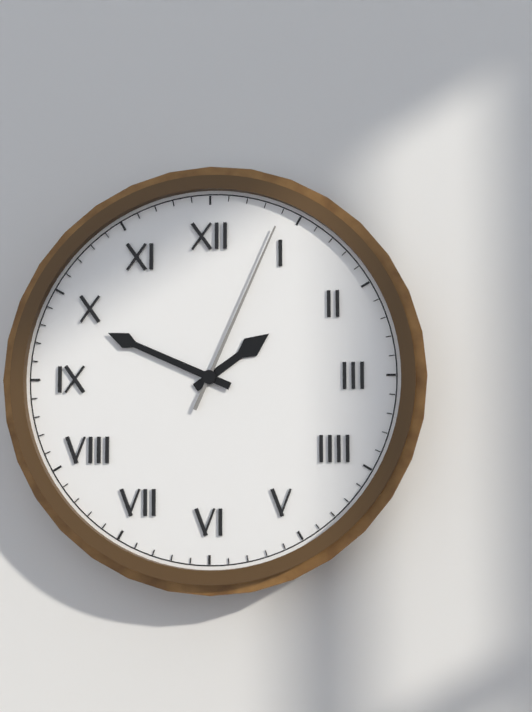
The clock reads **1:49:04**
